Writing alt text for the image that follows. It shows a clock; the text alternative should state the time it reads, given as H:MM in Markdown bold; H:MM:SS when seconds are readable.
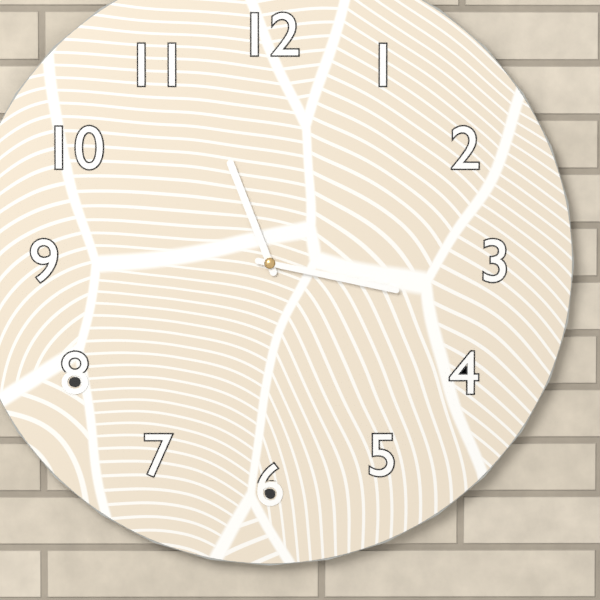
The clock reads **11:17**
